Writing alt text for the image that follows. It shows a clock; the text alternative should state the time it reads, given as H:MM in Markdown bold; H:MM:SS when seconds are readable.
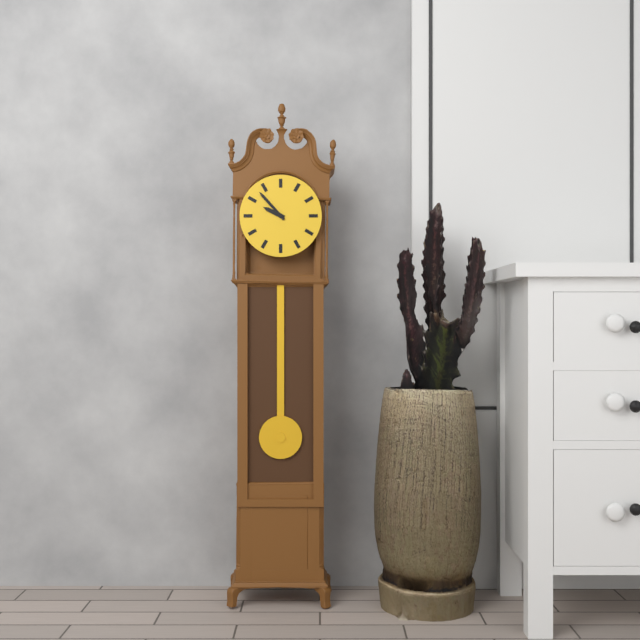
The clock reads **9:53**
